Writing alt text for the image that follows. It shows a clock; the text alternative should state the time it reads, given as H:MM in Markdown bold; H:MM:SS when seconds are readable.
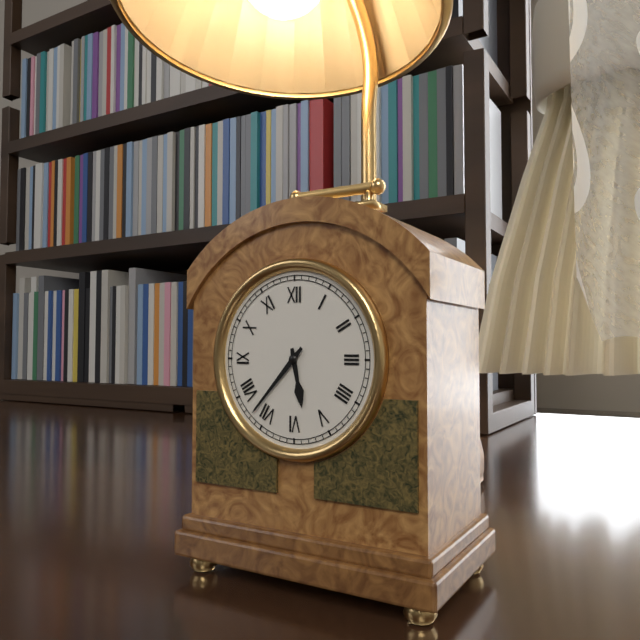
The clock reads **5:37**
